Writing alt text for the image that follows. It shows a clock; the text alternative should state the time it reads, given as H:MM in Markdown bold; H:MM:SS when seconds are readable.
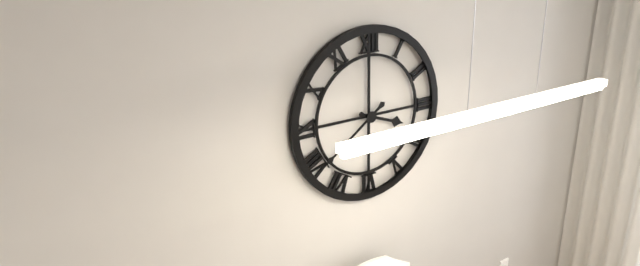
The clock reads **3:39**
